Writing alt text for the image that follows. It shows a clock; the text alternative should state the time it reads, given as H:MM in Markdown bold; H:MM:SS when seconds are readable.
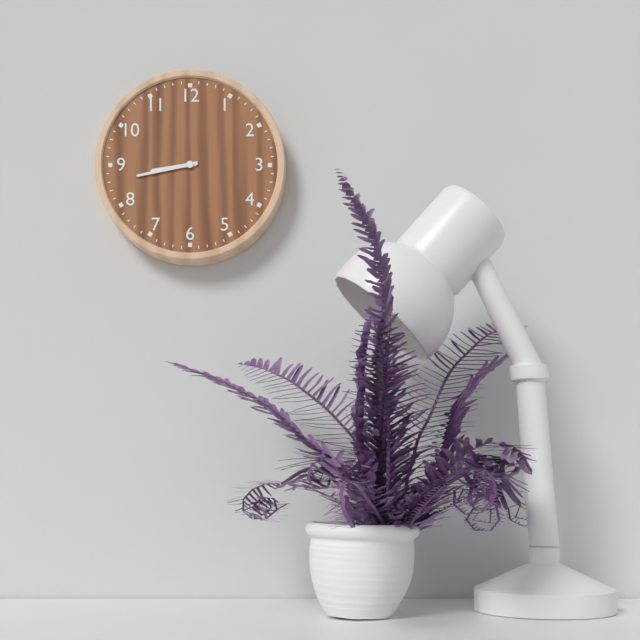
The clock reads **8:43**
